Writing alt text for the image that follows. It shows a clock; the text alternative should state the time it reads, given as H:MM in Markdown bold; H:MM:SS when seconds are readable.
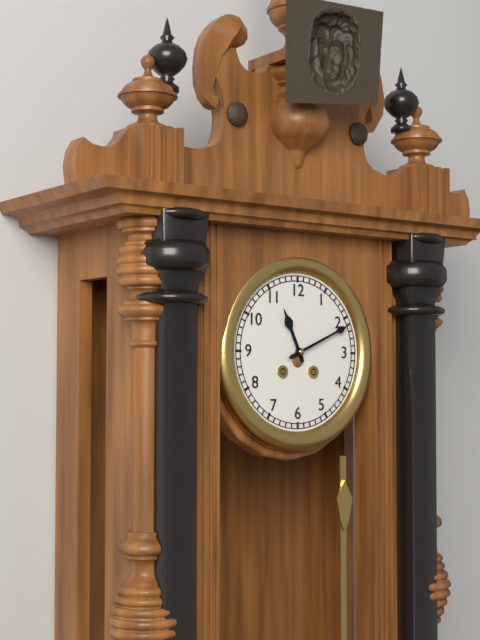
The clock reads **11:11**
